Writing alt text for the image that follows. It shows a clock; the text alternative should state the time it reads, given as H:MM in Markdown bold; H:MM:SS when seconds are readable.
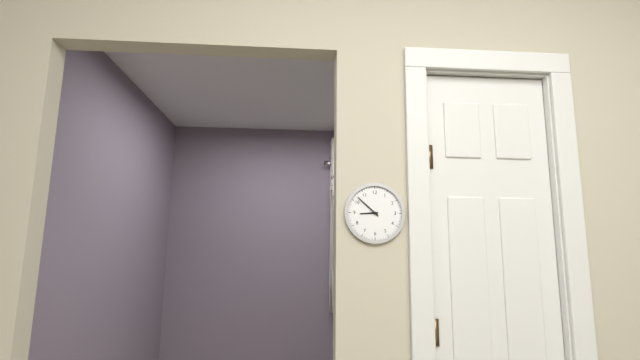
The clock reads **8:52**
